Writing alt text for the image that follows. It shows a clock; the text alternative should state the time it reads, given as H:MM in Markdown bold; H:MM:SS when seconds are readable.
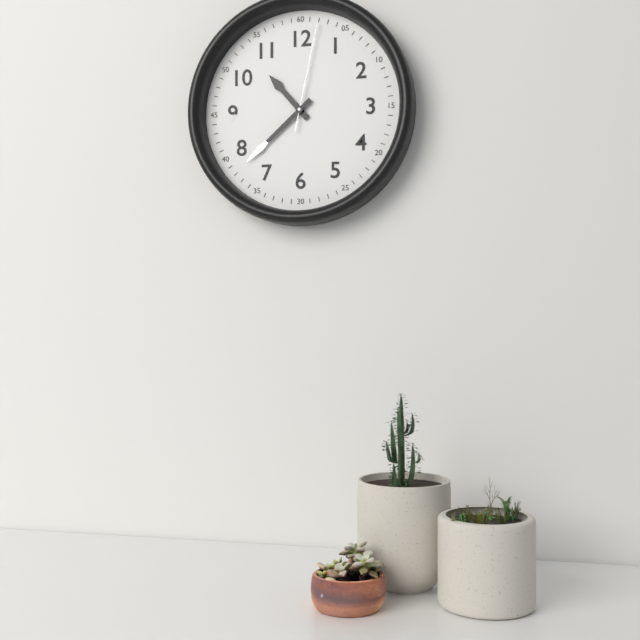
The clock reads **10:38:02**
